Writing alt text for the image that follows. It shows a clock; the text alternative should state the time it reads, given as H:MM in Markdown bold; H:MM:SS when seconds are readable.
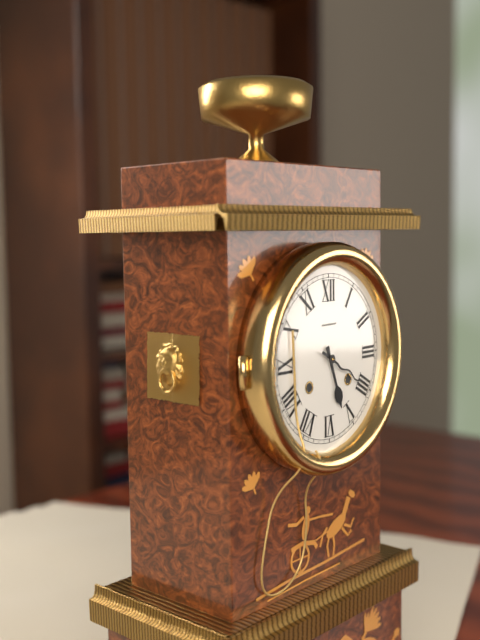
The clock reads **5:20**
